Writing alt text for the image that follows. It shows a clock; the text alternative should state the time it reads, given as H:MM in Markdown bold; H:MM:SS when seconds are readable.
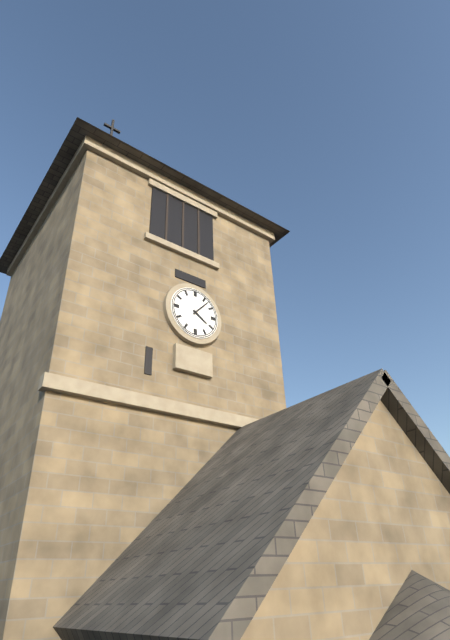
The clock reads **4:07**
